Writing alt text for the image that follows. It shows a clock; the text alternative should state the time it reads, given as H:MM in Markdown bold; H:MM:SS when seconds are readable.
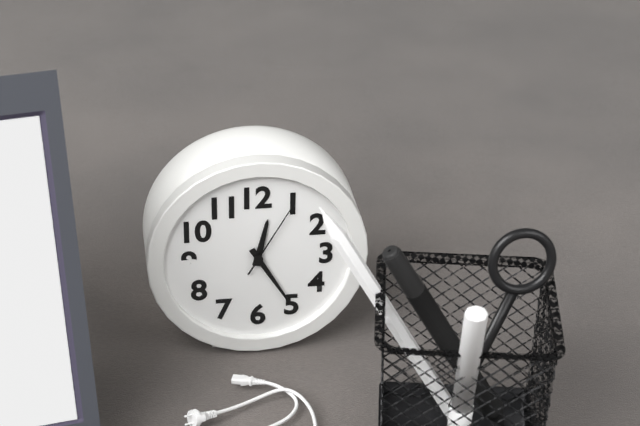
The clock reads **12:25:05**
